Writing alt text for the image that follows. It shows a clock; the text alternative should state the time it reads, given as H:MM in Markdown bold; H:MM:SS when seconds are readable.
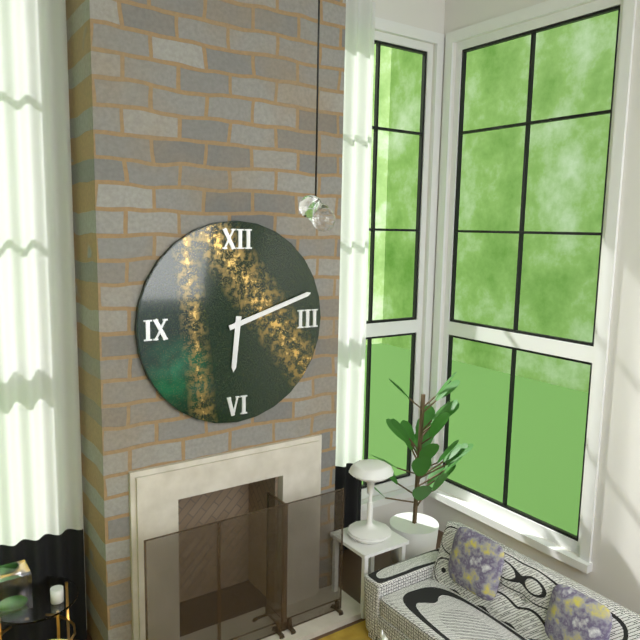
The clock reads **6:12**
